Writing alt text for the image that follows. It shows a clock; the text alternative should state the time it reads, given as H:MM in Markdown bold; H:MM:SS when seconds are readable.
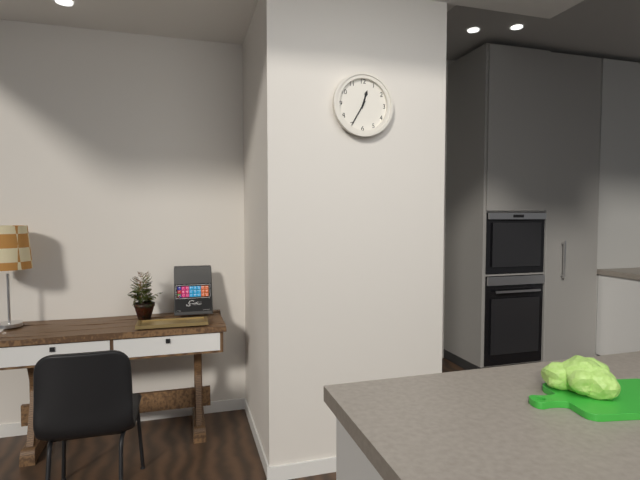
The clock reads **12:35**
